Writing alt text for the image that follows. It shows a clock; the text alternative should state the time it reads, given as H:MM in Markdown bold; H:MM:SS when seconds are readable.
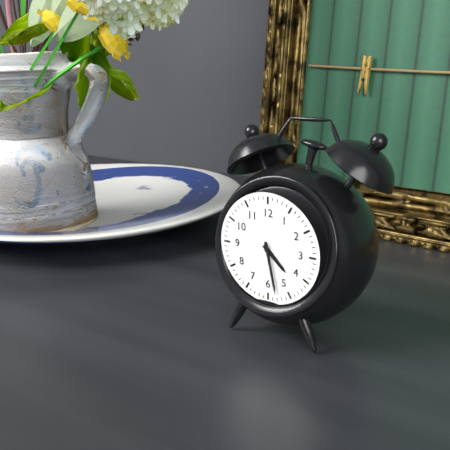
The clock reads **4:28**
